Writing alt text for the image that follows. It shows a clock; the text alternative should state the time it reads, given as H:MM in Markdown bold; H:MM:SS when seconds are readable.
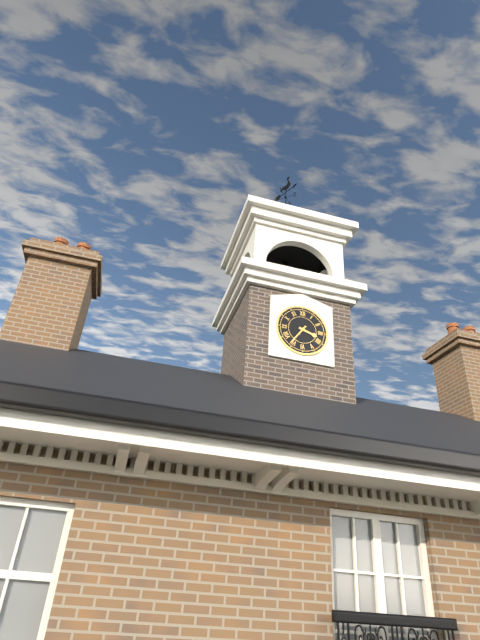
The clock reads **3:36**
